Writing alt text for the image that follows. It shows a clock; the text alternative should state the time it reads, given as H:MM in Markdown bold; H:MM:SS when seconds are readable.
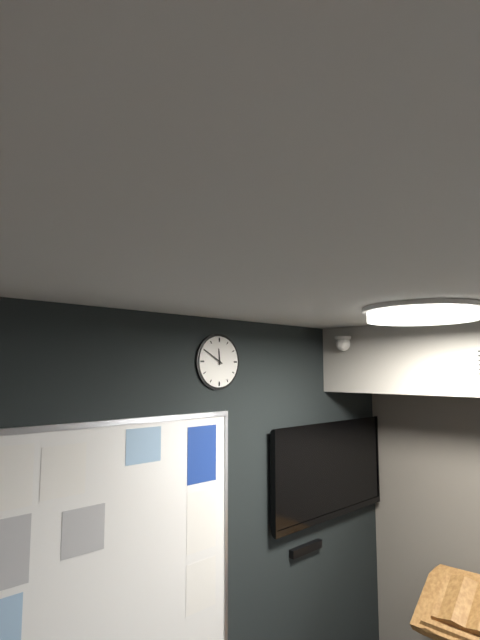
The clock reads **11:50**
